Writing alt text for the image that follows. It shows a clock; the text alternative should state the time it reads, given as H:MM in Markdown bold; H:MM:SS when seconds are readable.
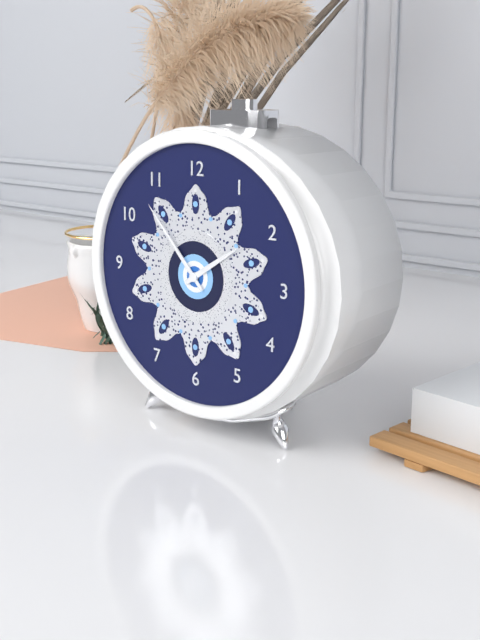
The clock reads **1:53**
